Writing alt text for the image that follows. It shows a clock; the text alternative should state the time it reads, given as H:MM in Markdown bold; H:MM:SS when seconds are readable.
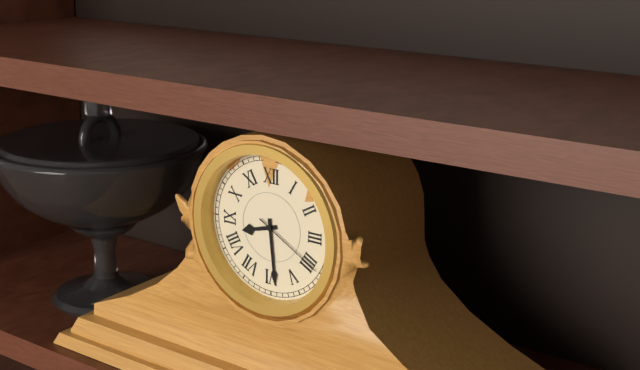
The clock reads **8:29:20**
